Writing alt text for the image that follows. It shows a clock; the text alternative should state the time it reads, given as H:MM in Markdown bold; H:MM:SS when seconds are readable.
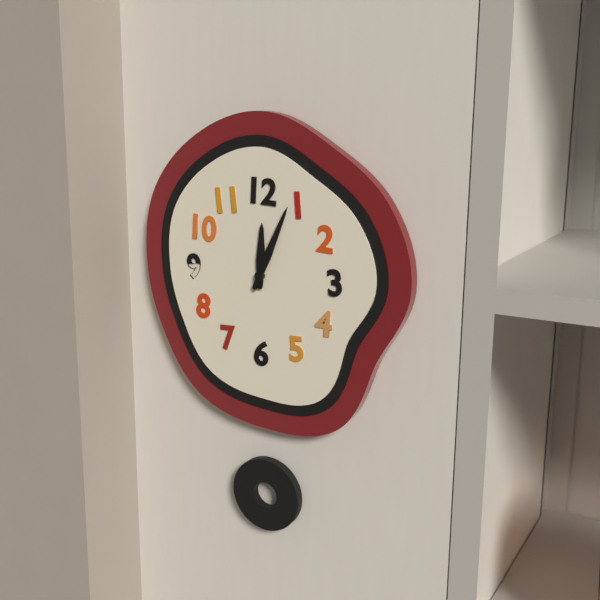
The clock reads **12:04**
